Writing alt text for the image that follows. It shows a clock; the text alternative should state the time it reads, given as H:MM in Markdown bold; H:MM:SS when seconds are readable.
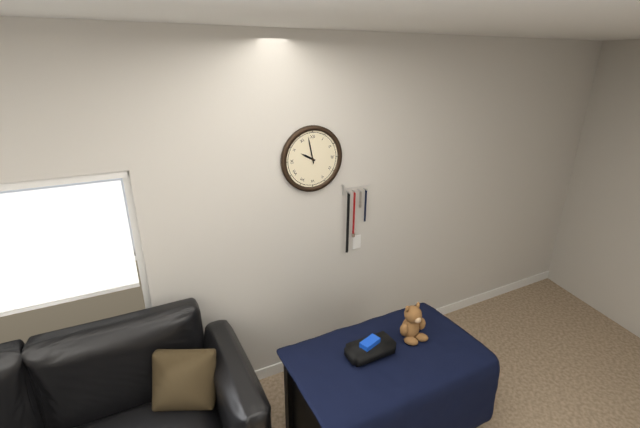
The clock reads **9:58**
